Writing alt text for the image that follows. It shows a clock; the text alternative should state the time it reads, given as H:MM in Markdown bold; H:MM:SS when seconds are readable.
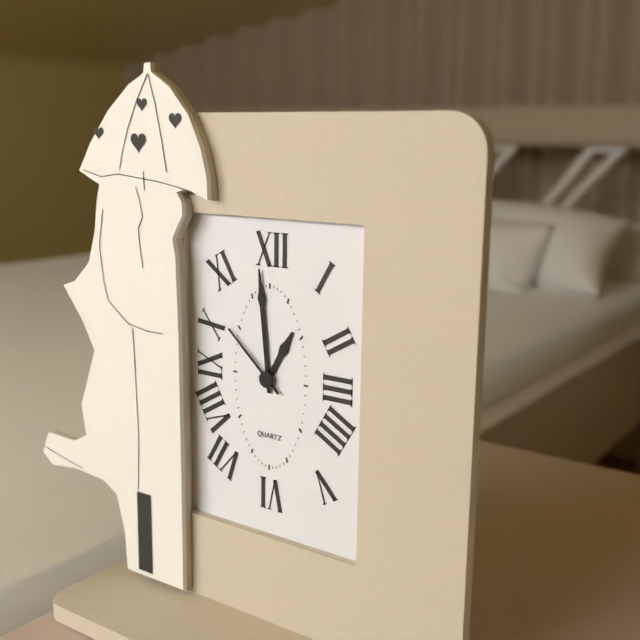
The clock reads **12:59:52**
